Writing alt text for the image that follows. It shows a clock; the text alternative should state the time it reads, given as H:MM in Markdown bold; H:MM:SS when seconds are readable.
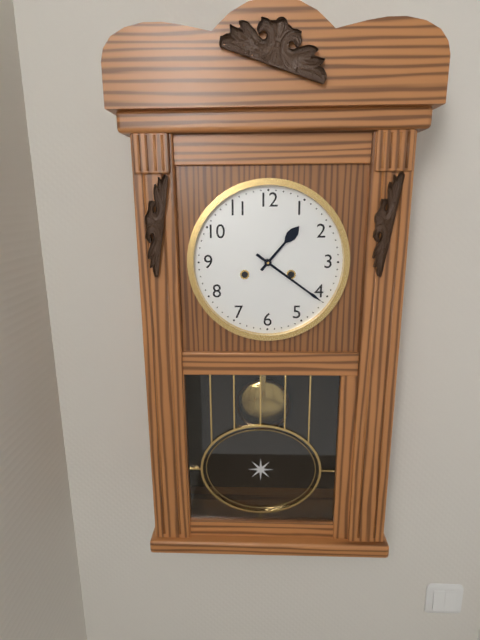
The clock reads **1:21**
